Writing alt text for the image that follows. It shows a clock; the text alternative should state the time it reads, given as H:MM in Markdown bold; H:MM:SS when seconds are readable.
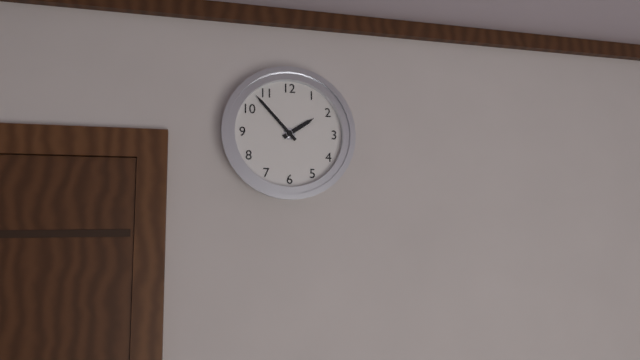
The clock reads **1:53**
